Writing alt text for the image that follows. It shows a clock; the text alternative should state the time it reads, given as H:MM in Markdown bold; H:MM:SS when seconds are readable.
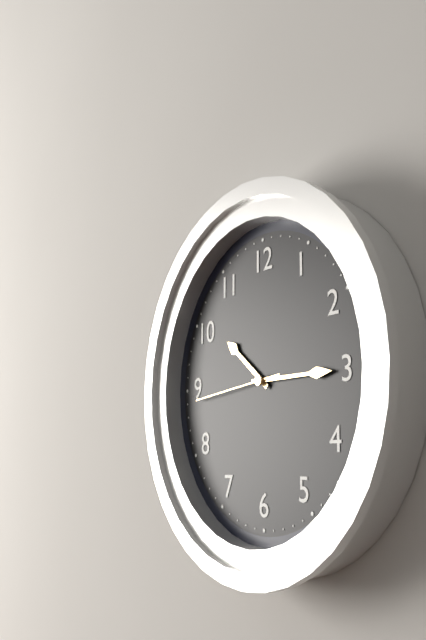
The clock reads **10:15:44**
